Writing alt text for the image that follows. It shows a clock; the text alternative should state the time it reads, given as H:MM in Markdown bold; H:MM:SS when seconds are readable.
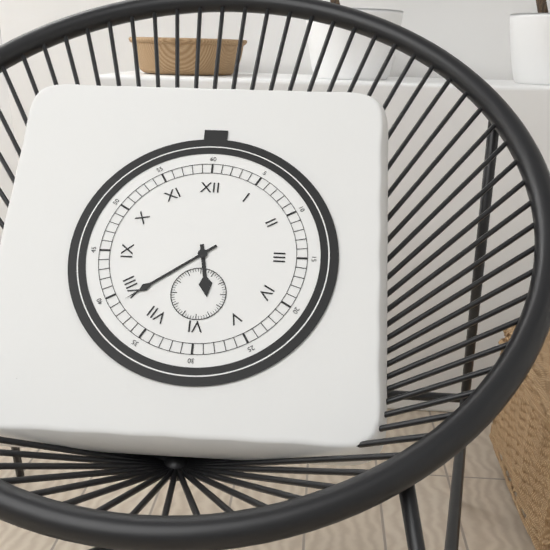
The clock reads **5:39**
